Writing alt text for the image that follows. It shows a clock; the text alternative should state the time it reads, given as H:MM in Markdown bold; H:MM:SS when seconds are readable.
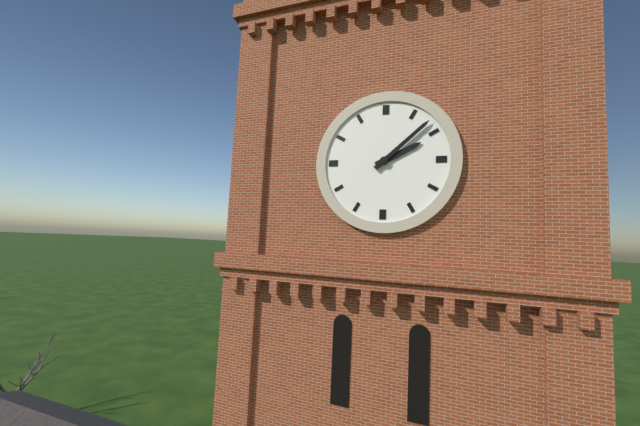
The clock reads **2:08**
